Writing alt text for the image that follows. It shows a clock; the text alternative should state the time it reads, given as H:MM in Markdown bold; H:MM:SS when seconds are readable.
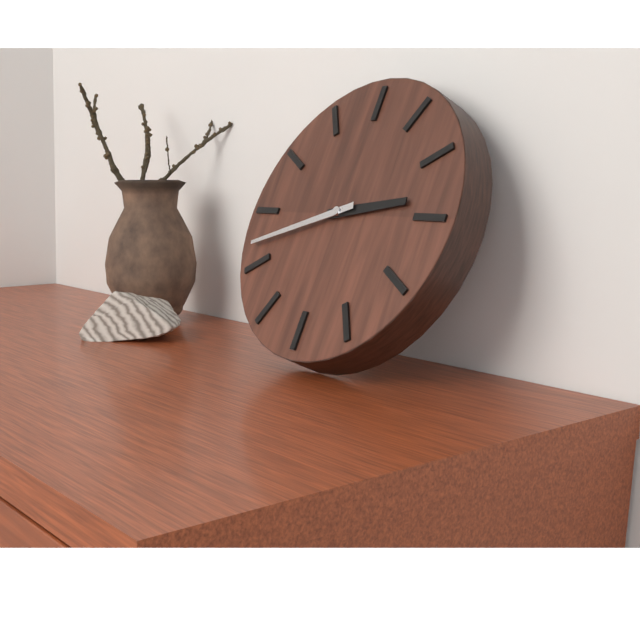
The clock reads **2:42**
